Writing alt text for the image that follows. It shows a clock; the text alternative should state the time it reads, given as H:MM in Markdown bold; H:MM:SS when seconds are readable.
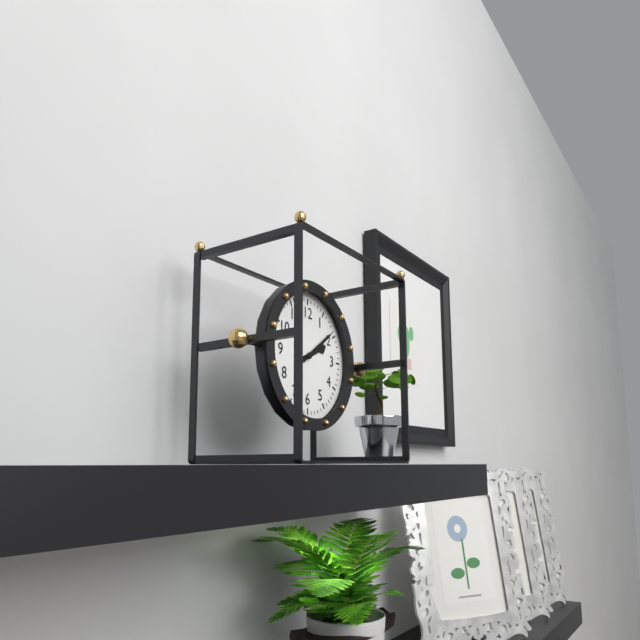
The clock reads **2:09**
